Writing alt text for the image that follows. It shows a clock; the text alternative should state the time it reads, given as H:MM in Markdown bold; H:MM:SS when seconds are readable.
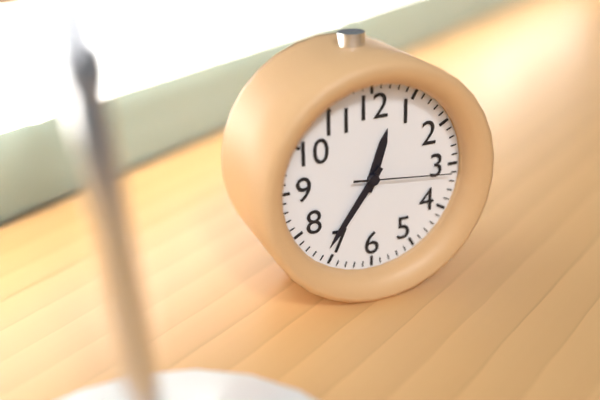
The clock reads **12:36:16**
